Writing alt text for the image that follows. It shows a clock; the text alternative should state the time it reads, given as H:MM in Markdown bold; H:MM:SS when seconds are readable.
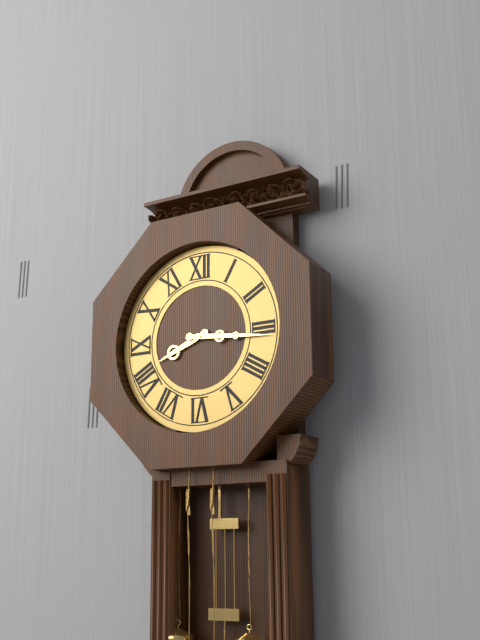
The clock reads **8:16**
